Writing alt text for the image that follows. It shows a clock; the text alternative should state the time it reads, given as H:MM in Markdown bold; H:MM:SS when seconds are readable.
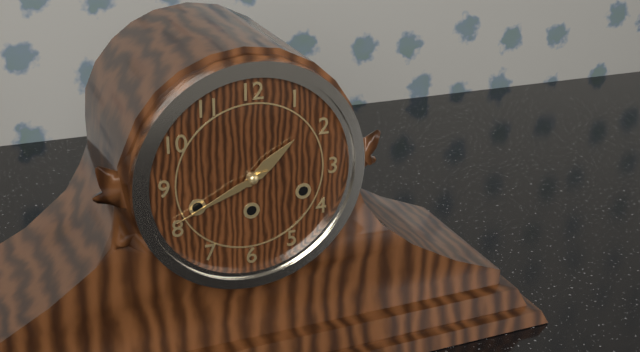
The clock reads **1:41**
